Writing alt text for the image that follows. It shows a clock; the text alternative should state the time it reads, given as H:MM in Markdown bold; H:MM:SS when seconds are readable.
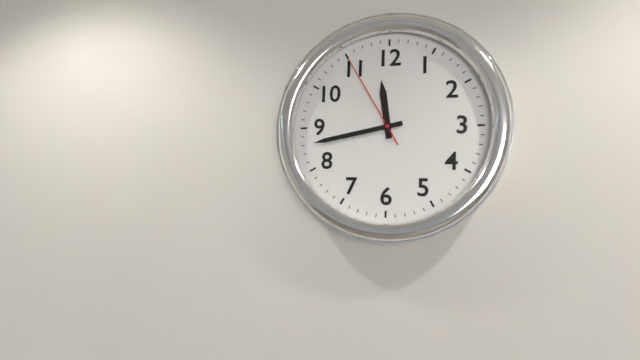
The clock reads **11:43:55**
